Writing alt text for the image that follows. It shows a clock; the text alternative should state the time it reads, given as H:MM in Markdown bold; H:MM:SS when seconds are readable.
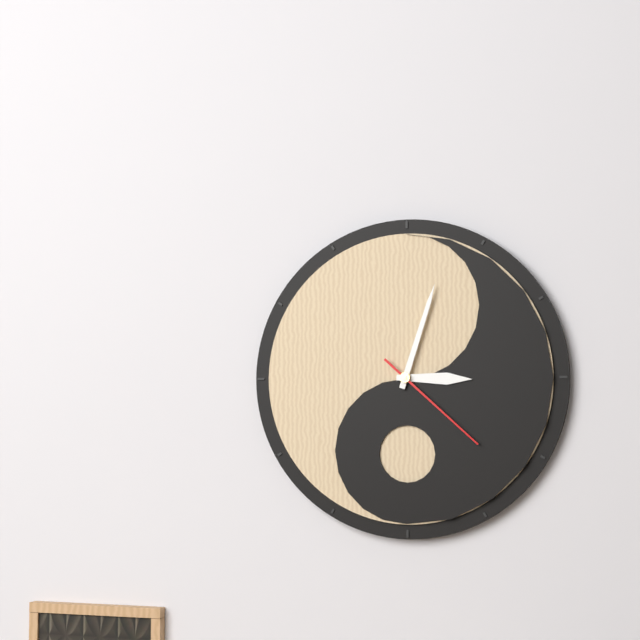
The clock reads **3:03:22**
